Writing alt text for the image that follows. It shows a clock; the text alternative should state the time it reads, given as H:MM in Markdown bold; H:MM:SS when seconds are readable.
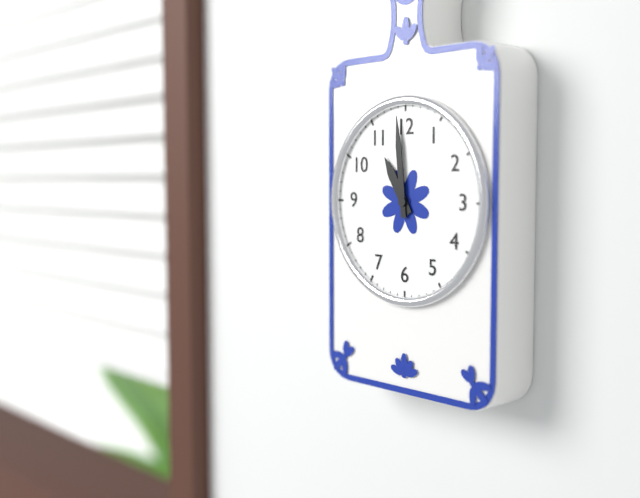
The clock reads **10:59**
